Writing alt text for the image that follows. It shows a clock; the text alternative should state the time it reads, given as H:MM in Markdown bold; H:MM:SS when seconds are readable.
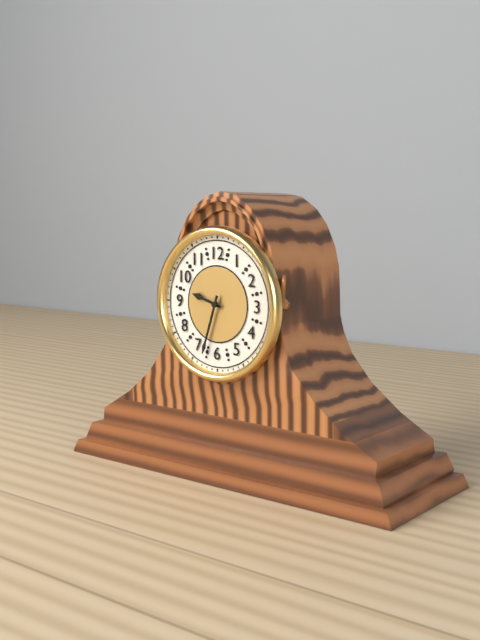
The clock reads **9:33**
